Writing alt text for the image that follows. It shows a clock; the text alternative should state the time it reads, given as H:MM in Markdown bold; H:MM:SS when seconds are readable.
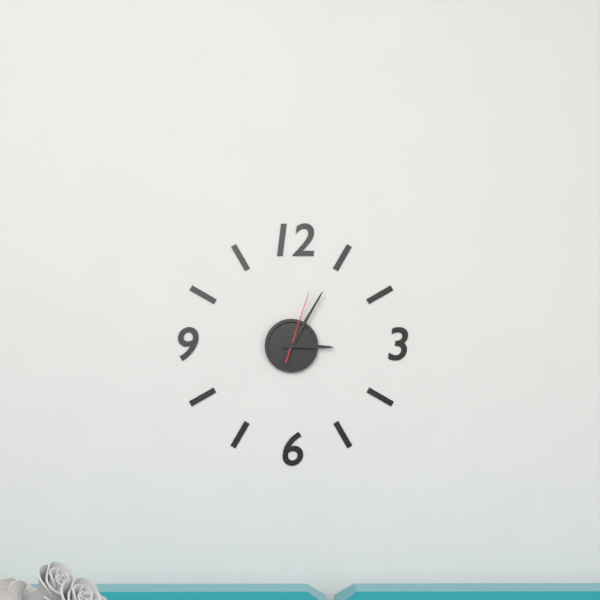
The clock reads **3:05:03**
